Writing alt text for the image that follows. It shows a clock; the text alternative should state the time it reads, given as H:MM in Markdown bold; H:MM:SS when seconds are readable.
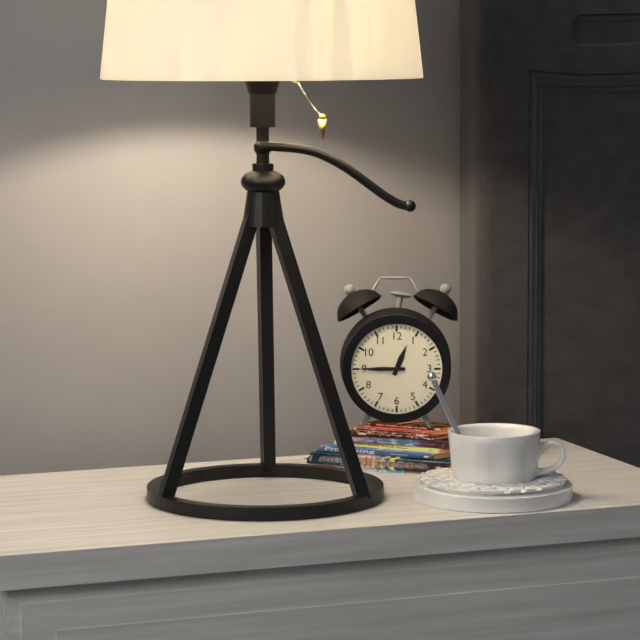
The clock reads **12:45**
